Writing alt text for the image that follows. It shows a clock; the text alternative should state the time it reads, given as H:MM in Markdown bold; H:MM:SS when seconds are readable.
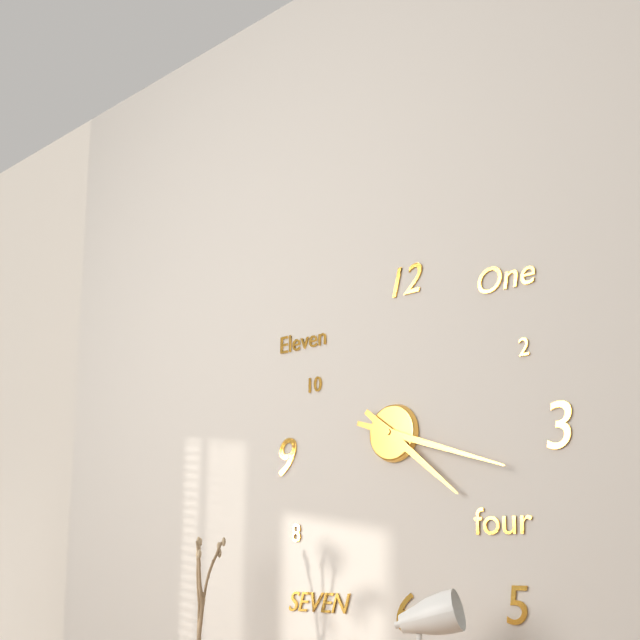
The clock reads **4:18**
